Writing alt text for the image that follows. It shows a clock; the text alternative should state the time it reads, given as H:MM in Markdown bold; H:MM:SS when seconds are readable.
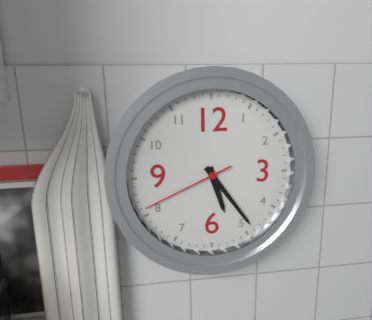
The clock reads **5:24:41**
